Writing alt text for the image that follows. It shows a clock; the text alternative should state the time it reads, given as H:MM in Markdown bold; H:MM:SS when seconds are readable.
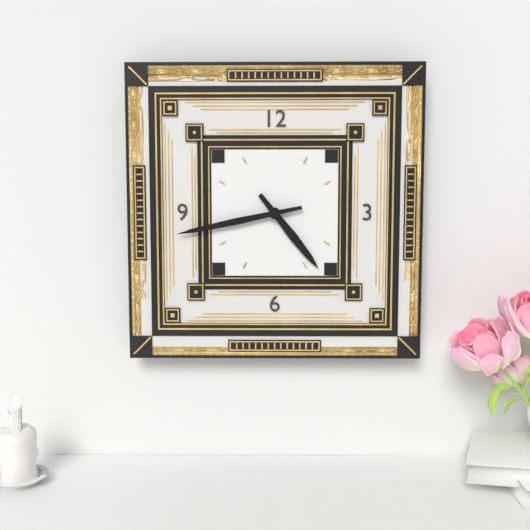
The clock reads **4:43**
